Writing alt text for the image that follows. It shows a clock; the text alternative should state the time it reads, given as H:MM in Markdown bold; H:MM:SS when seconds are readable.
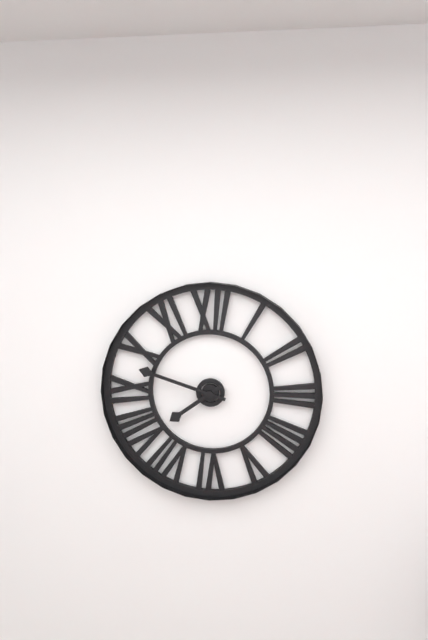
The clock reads **7:48**
